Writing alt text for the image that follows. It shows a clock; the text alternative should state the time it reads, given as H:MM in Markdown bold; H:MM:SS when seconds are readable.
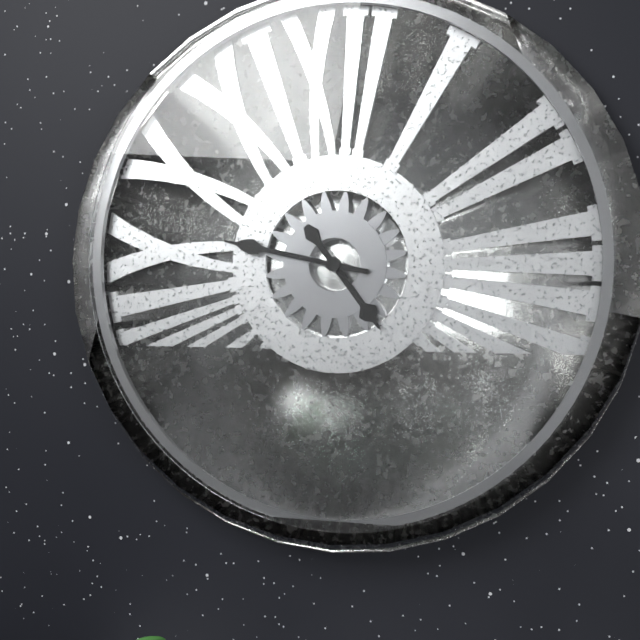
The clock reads **4:47**
